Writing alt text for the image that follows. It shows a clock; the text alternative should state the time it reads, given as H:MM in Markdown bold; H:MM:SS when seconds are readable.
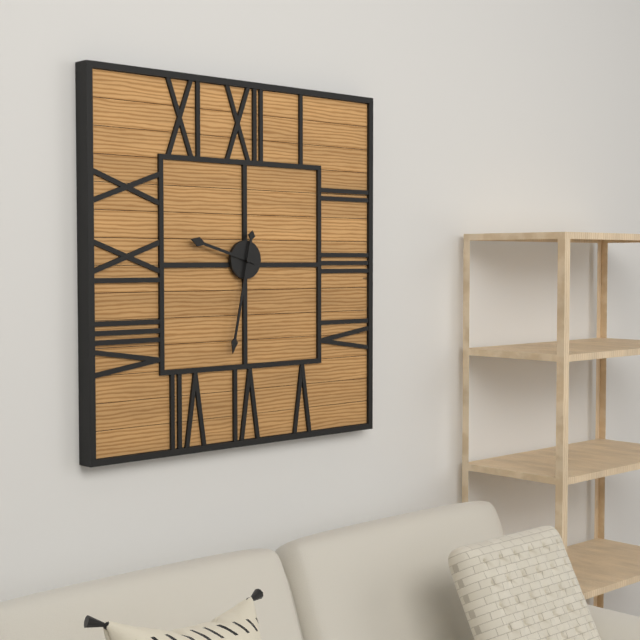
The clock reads **9:32**
